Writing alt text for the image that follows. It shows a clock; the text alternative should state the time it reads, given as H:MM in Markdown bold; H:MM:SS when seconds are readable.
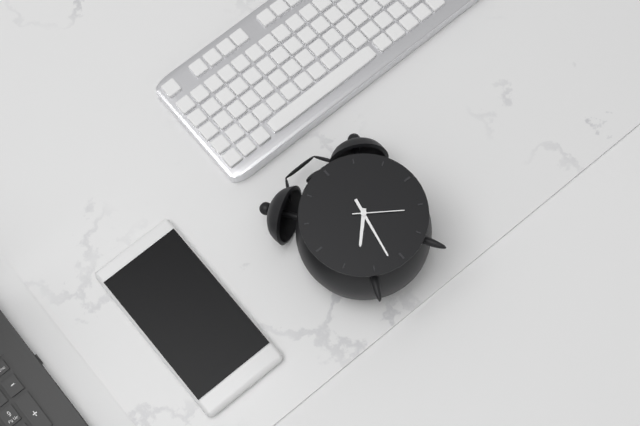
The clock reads **7:32:21**
